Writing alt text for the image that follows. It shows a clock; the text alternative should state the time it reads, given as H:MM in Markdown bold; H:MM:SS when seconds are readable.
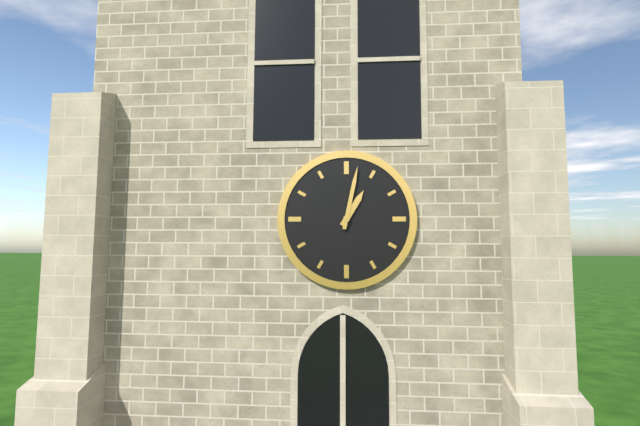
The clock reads **1:02**
